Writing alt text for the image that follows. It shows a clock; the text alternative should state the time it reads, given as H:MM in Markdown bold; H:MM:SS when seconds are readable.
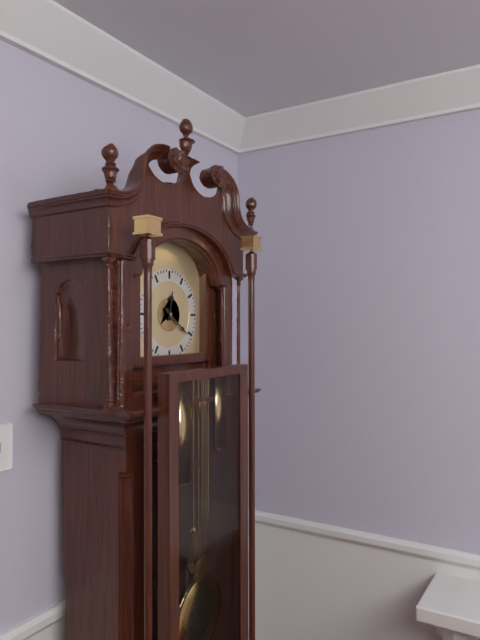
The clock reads **12:21**
